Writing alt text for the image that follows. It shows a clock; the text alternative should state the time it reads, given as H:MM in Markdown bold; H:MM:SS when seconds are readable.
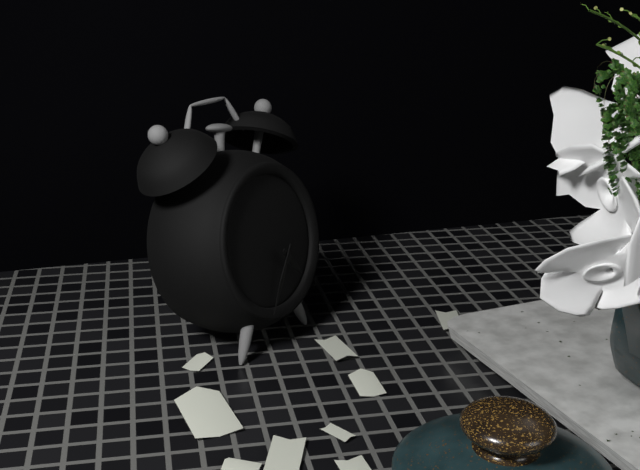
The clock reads **4:34**
